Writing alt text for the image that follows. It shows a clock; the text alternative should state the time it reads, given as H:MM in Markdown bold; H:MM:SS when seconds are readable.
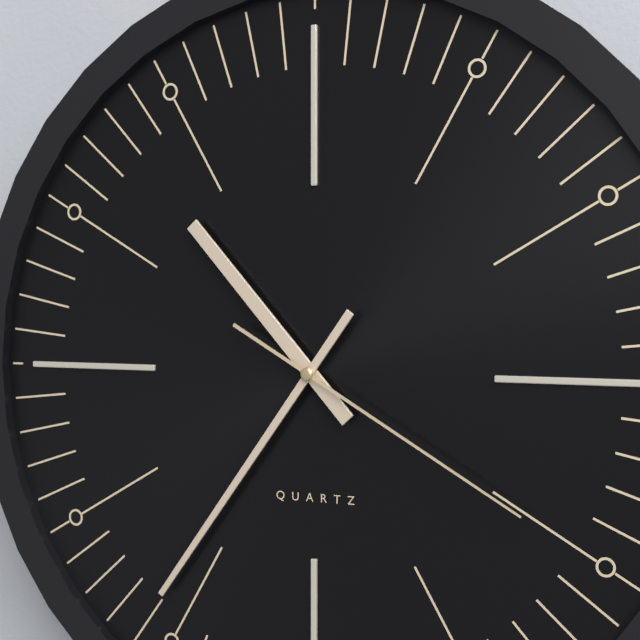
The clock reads **10:36:20**
